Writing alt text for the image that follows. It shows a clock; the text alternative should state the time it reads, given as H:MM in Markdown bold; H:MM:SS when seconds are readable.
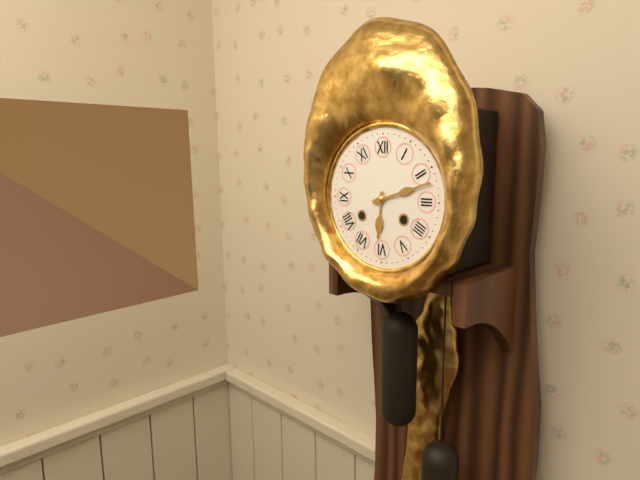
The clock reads **6:12**
